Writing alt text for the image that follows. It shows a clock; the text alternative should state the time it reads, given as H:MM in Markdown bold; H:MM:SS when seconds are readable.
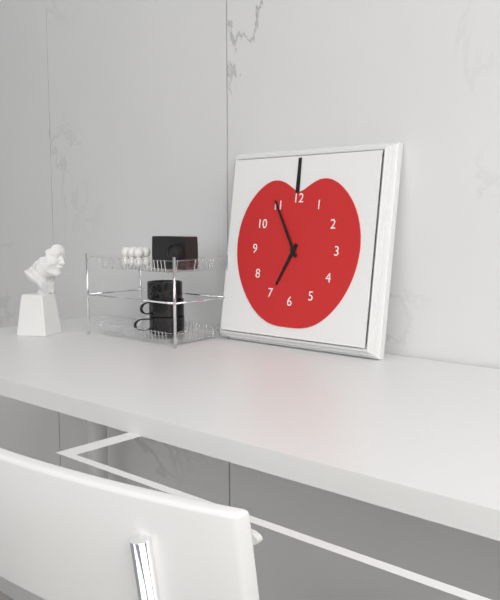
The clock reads **6:55**
